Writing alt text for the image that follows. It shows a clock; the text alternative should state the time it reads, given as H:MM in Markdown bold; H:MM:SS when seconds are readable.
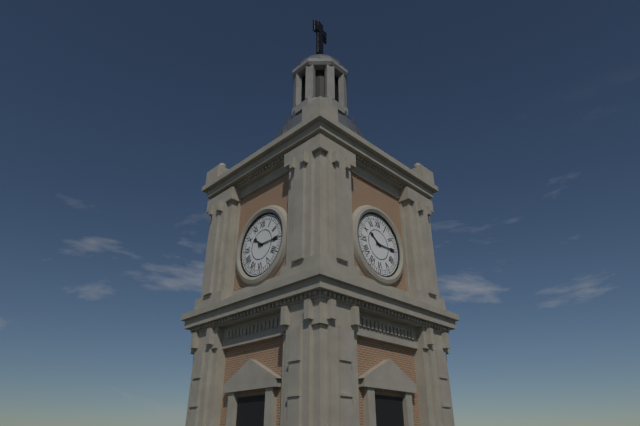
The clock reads **10:15**
